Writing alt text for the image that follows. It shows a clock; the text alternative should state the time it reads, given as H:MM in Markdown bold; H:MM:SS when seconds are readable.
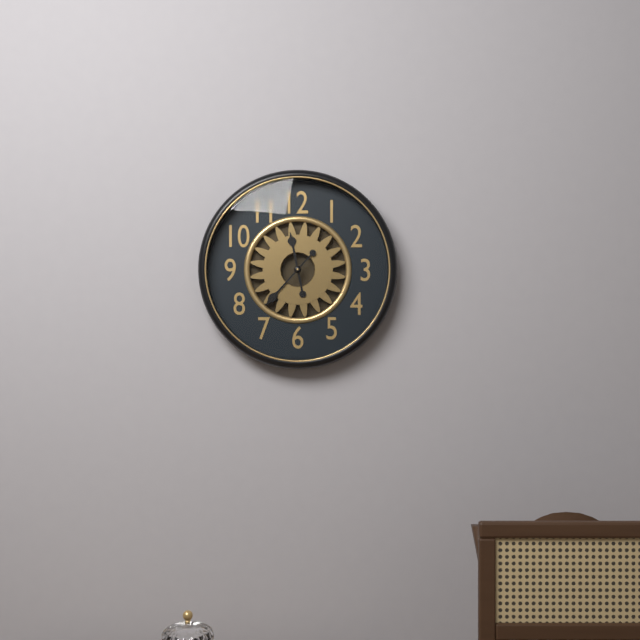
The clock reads **11:37**
